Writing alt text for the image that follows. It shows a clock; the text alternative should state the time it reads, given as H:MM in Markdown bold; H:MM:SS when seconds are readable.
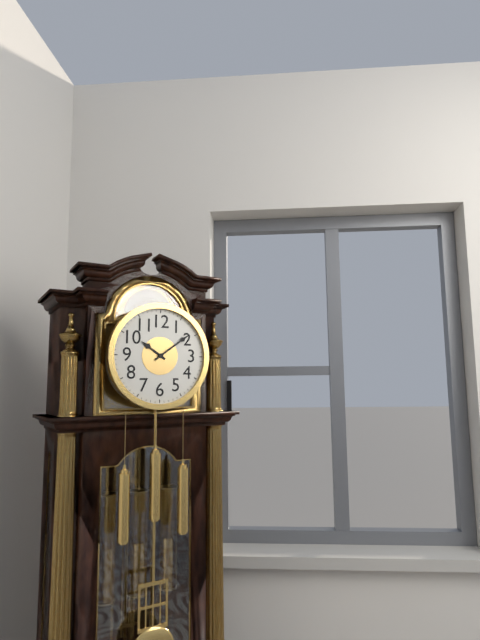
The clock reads **10:09**
